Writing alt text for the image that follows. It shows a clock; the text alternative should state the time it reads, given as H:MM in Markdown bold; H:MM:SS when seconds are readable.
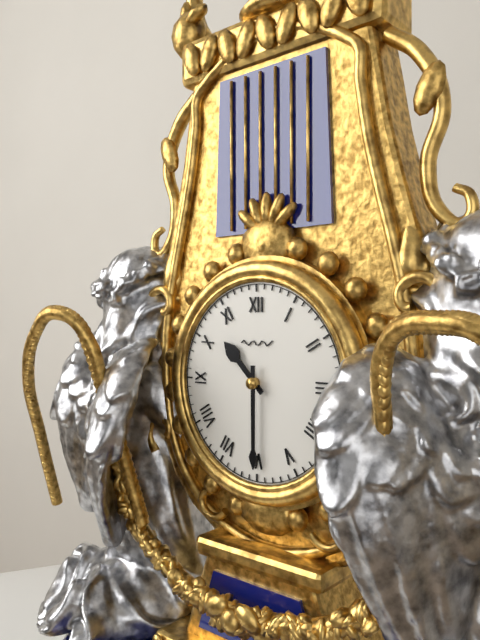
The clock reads **10:30**
